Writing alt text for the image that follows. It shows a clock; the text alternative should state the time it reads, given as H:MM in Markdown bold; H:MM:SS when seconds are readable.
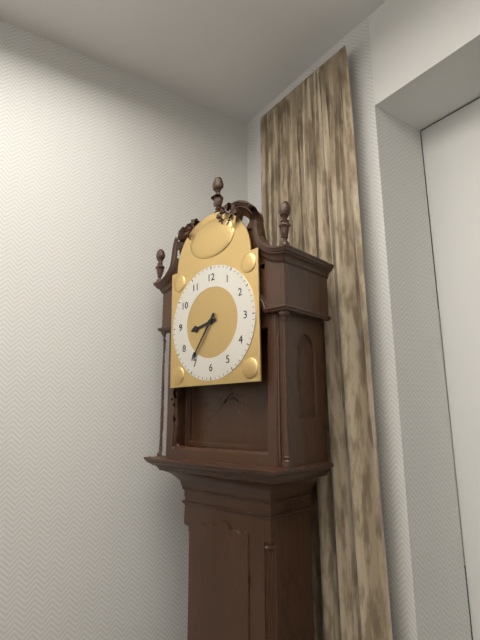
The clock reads **8:36**
